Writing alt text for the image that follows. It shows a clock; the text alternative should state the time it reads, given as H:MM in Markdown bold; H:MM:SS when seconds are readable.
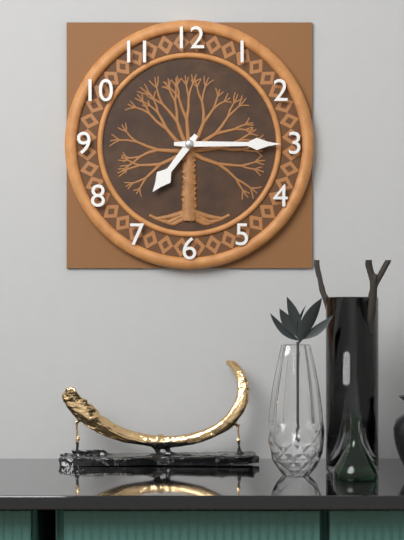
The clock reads **7:15**
